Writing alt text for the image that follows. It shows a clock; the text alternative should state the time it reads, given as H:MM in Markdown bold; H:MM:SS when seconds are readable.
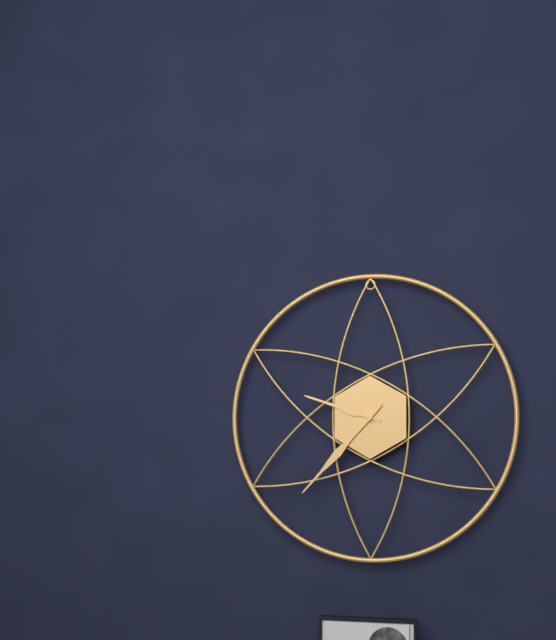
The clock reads **9:37**
